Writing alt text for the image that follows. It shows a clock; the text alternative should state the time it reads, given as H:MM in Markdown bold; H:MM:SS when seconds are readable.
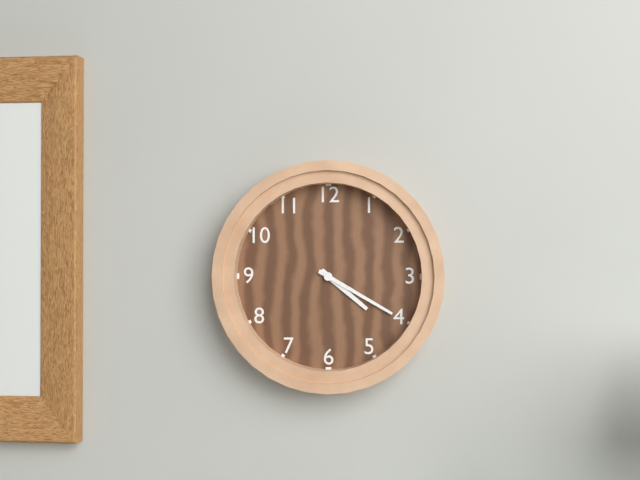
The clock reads **4:20**
